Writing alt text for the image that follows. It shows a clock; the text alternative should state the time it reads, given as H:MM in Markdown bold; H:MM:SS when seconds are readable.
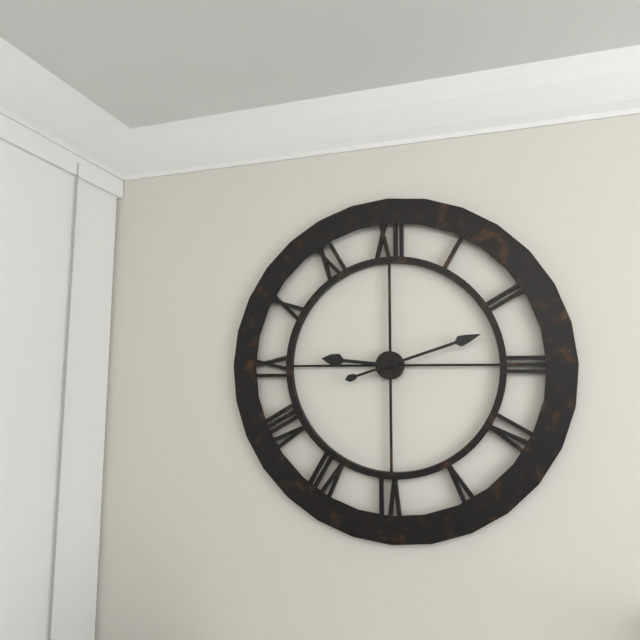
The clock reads **9:12**
